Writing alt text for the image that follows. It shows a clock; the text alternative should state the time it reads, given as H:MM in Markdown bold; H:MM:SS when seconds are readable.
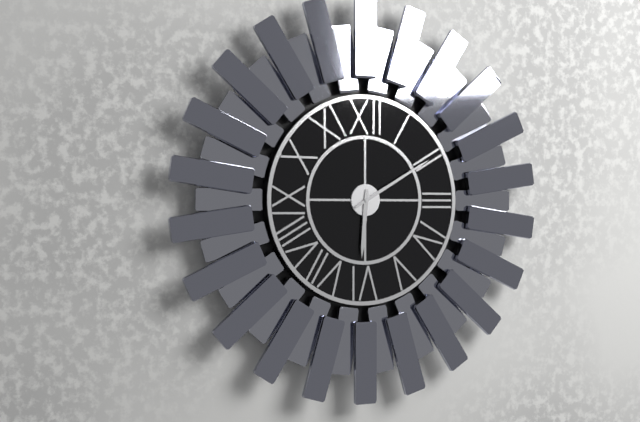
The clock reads **6:10**
